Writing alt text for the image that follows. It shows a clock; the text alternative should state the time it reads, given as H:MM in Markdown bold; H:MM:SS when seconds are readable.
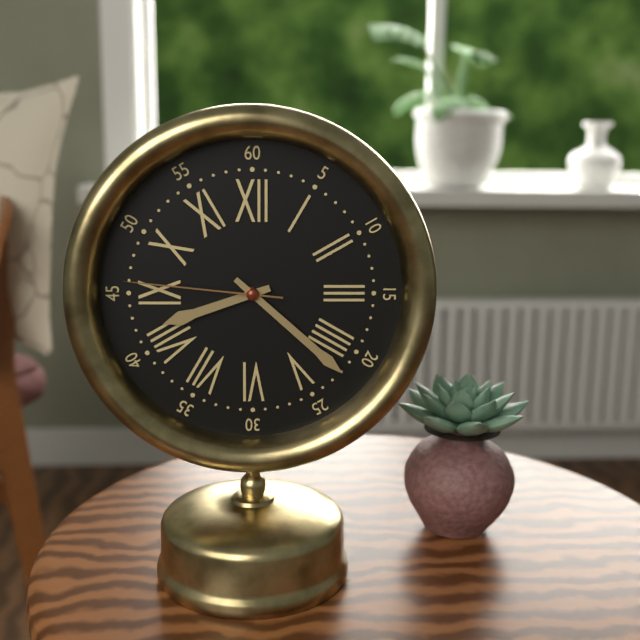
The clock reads **8:22:46**
